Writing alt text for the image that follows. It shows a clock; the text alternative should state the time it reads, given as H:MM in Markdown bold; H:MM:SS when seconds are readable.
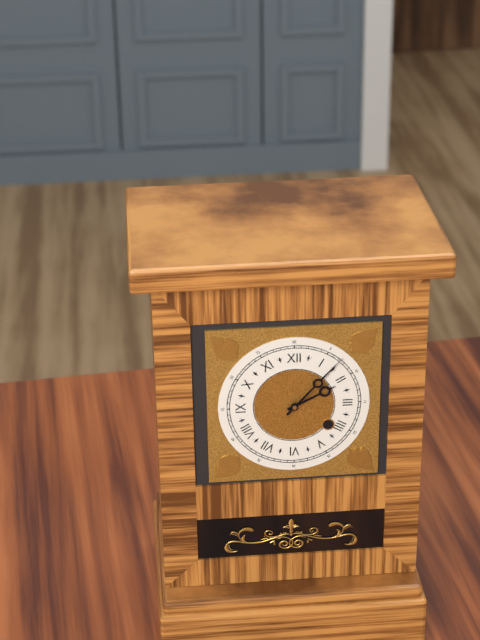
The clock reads **2:07**
